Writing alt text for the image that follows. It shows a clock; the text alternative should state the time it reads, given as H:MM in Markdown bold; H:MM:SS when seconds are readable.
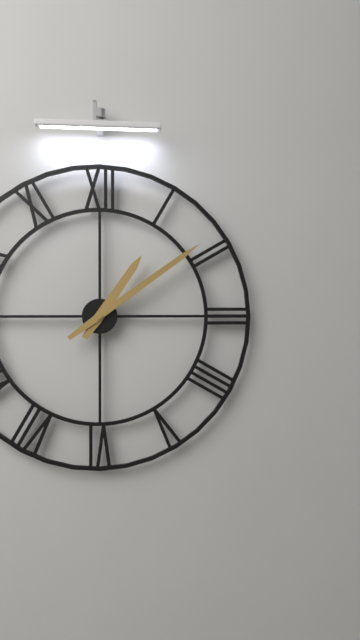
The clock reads **1:09**
